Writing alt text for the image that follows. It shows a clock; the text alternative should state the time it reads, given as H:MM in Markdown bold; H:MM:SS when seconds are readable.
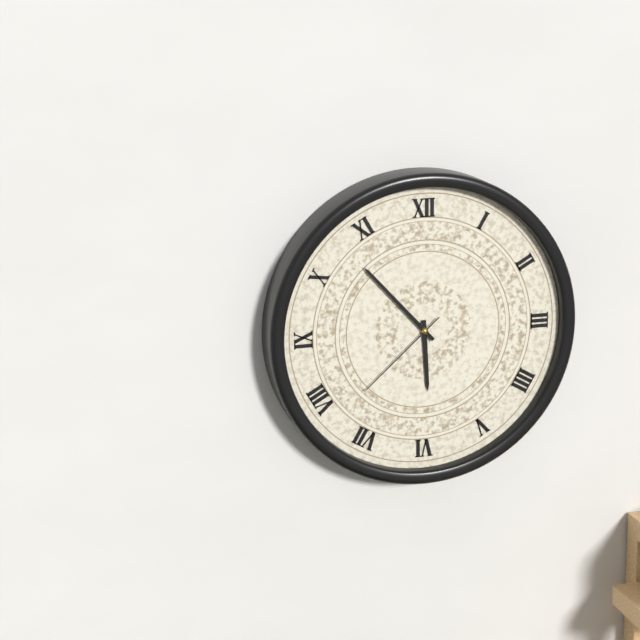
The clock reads **5:53:38**
